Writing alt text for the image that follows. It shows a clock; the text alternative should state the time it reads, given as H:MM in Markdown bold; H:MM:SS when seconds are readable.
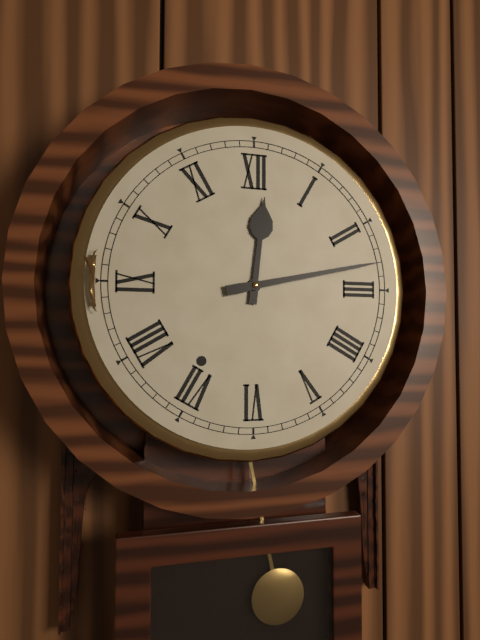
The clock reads **12:13**
